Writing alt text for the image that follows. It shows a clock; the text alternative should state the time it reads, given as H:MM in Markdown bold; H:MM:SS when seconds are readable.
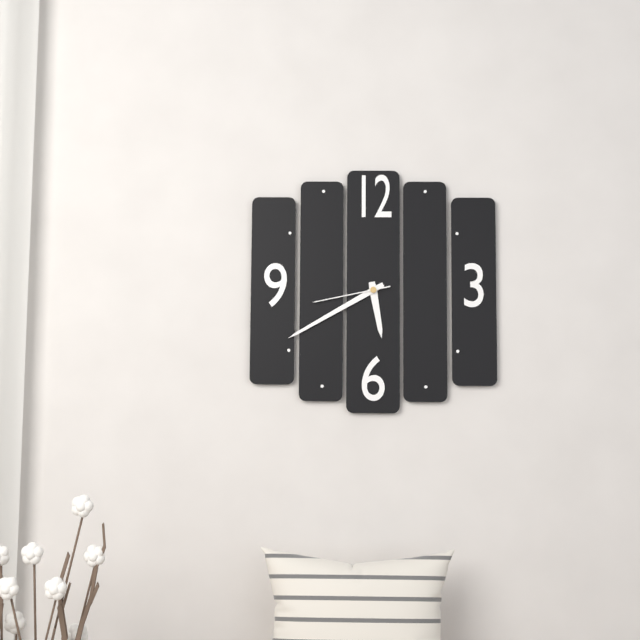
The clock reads **5:40:43**
